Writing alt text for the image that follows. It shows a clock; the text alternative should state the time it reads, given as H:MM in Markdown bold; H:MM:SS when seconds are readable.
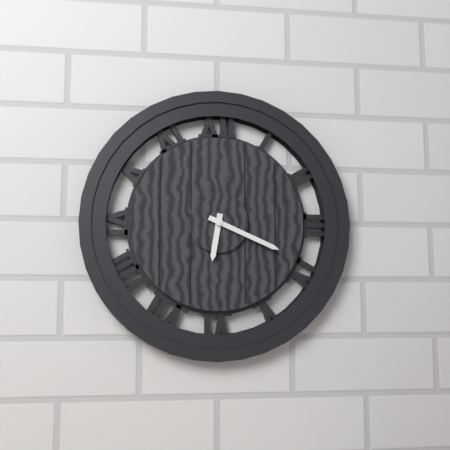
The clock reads **6:19**
